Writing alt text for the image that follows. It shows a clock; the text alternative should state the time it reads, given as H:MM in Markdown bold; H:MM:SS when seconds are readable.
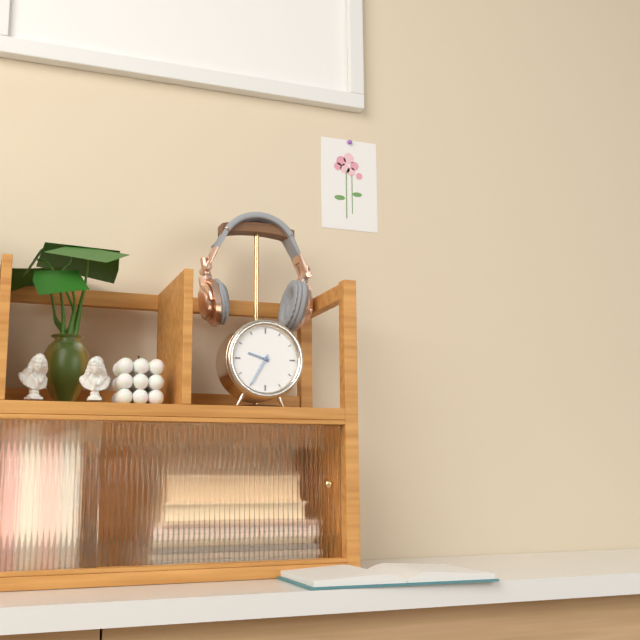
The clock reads **9:35**
